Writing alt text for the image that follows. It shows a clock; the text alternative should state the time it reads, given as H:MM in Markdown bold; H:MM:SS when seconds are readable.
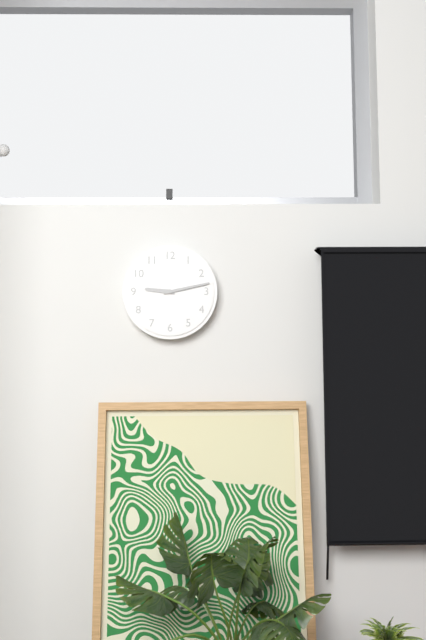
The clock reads **9:13**
